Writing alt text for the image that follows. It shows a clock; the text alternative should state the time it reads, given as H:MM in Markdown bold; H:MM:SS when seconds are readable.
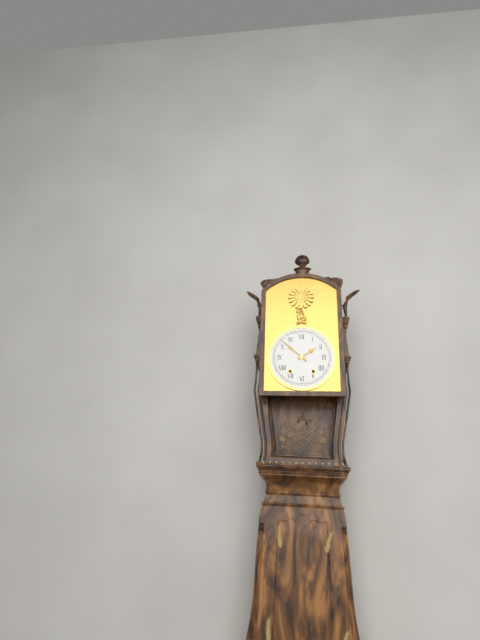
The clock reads **1:52**
